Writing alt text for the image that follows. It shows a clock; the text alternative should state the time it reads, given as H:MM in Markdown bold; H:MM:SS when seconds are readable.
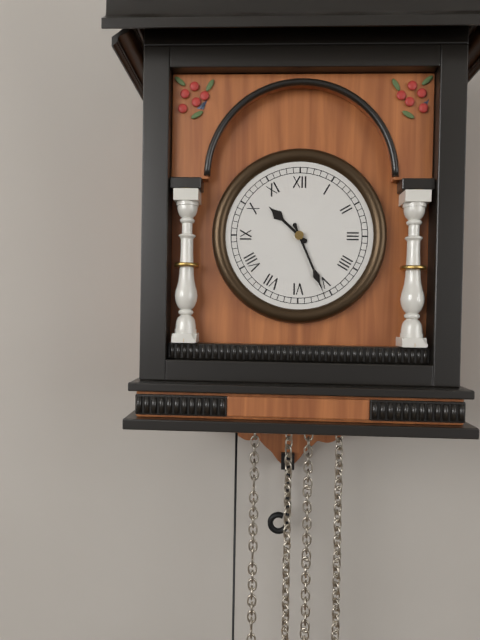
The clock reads **10:26**
